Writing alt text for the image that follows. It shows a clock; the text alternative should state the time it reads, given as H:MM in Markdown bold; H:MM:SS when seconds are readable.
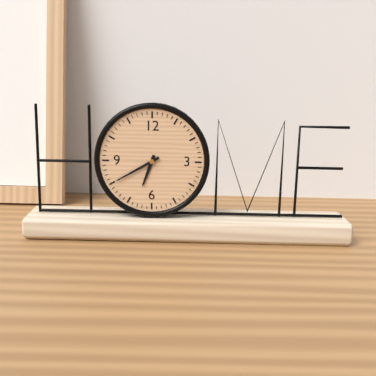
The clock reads **6:40**
